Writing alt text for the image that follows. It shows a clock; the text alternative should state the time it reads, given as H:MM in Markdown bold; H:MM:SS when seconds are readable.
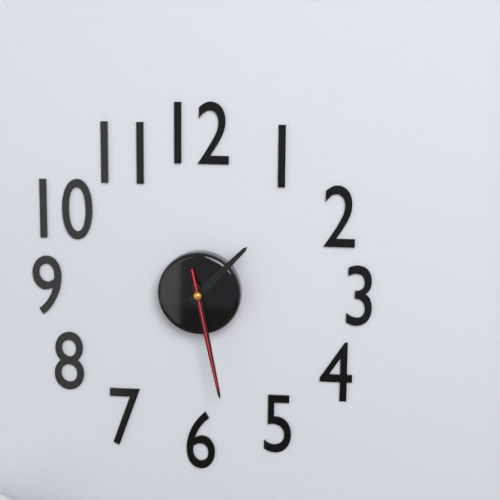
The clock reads **1:28:28**
